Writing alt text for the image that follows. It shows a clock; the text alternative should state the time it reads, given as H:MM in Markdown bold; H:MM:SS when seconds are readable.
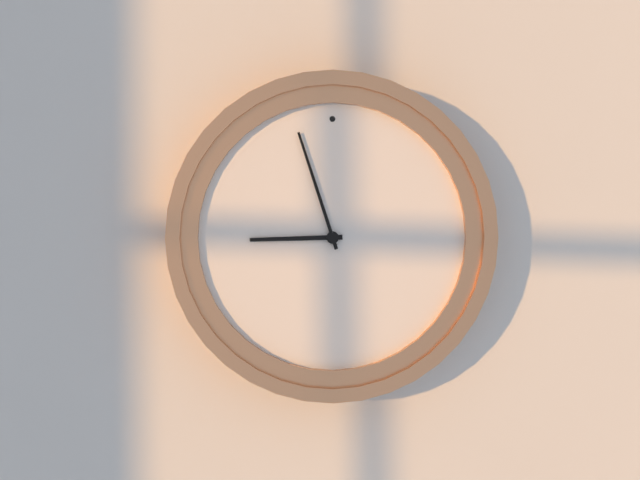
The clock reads **8:57**
